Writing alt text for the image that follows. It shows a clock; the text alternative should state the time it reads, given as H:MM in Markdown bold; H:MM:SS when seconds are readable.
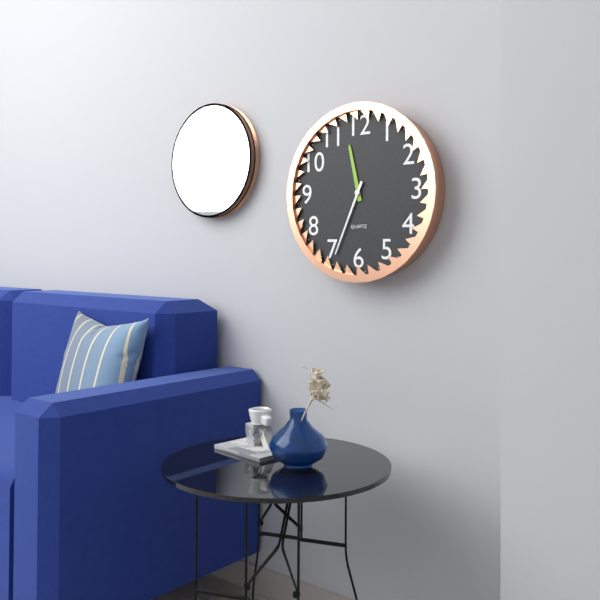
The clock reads **11:34**
